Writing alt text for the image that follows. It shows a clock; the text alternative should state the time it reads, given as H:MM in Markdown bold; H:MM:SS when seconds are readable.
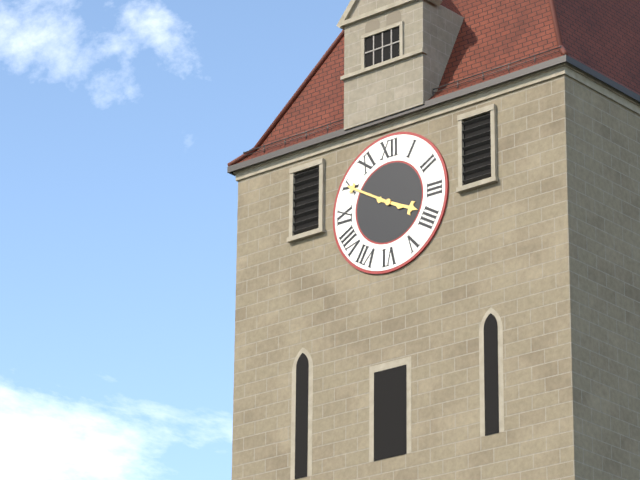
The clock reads **3:50**
